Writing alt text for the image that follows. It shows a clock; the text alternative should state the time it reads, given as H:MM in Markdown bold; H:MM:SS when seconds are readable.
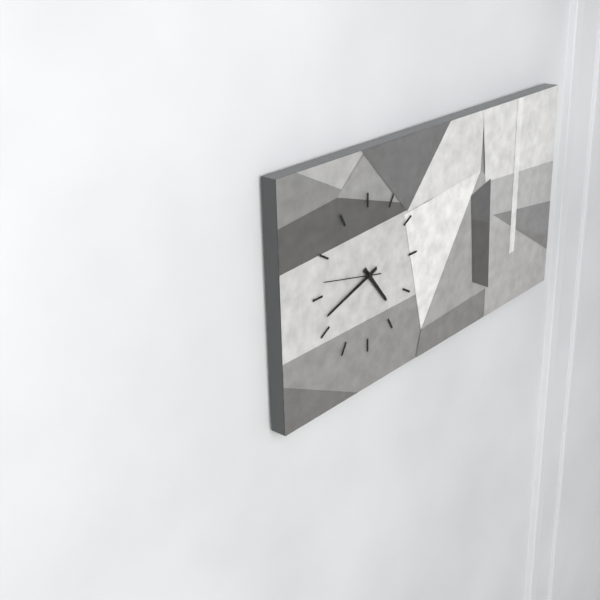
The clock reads **4:42:47**
